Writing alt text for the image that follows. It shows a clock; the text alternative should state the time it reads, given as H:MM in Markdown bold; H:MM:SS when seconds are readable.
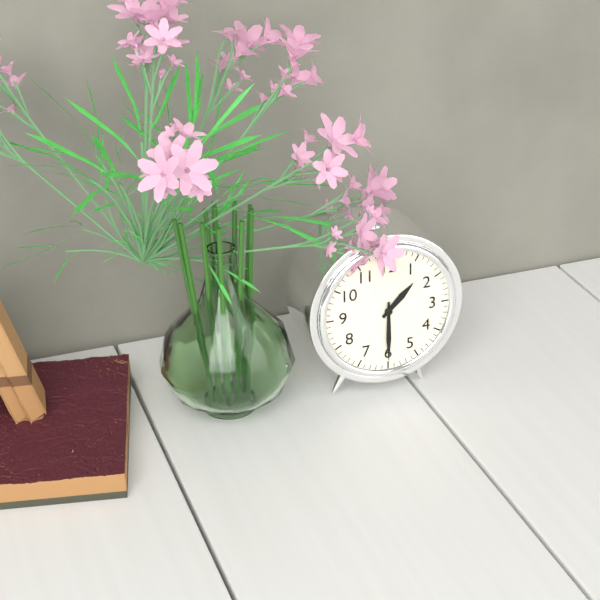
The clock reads **1:30**
